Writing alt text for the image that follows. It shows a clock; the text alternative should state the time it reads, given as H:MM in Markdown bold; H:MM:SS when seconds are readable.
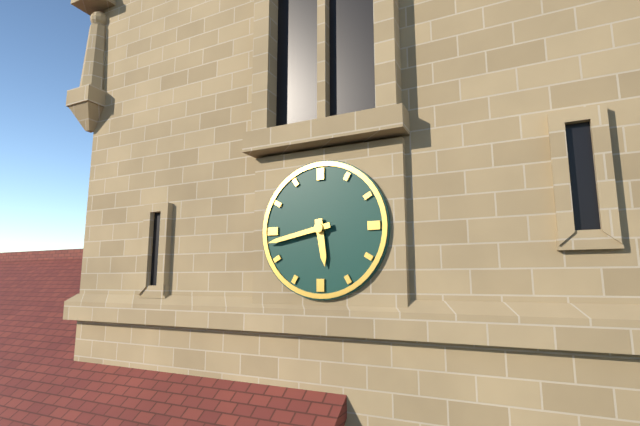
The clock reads **5:43**
